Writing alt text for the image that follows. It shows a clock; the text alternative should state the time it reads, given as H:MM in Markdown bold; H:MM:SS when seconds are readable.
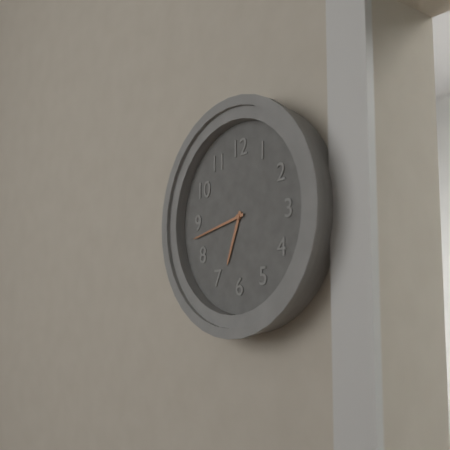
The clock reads **6:43**
